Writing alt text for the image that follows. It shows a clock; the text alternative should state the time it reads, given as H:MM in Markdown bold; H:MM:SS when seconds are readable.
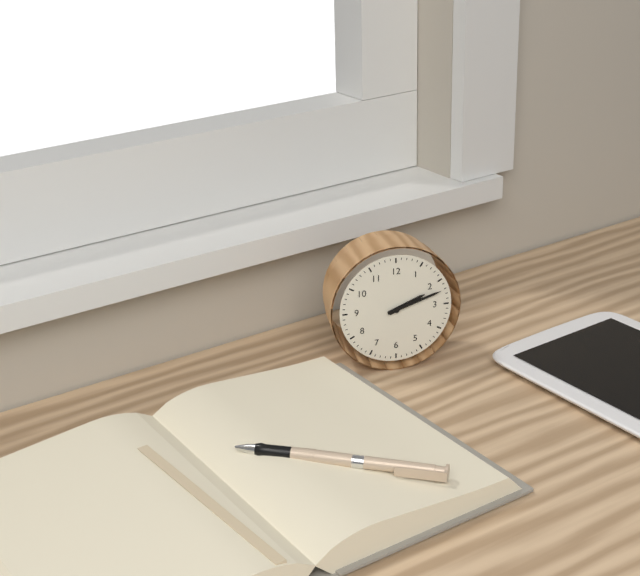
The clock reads **2:12**
